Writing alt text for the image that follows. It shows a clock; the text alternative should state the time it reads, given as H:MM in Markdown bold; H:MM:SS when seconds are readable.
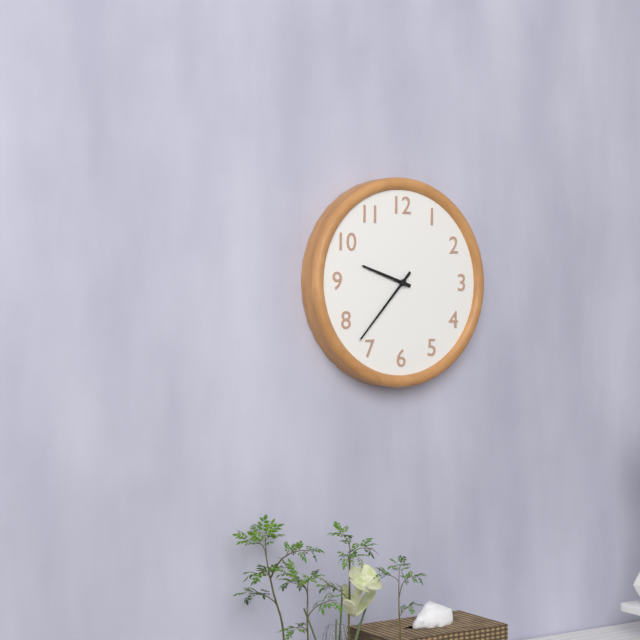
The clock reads **9:37**
